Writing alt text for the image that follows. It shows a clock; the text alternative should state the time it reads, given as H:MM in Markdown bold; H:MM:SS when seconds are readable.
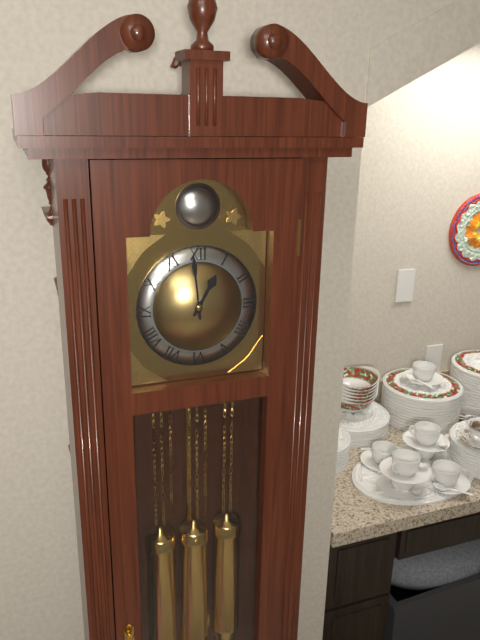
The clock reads **12:59**
